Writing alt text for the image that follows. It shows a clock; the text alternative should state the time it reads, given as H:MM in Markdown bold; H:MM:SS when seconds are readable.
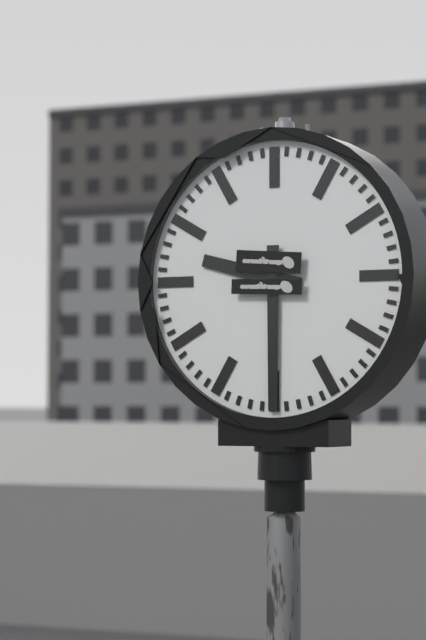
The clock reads **9:30**
